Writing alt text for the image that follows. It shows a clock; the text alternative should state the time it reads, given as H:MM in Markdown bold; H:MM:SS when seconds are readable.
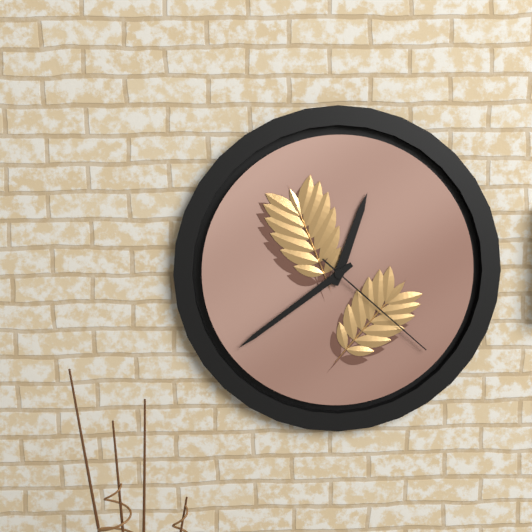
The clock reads **12:39:22**
